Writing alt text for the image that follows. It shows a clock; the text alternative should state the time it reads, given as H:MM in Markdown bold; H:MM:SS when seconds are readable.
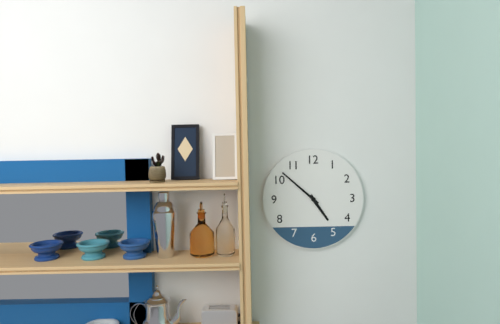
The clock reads **4:52**
